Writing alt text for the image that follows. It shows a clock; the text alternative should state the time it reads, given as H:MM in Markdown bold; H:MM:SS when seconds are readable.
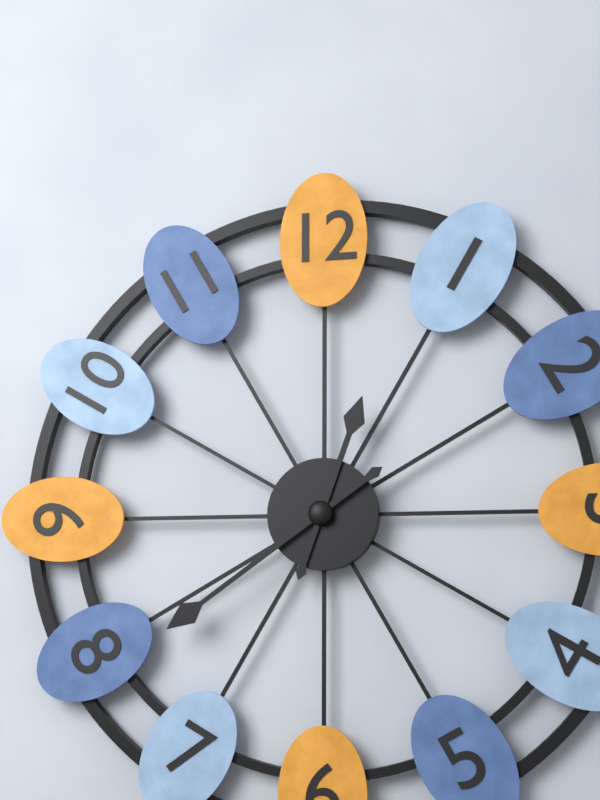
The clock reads **12:39**
